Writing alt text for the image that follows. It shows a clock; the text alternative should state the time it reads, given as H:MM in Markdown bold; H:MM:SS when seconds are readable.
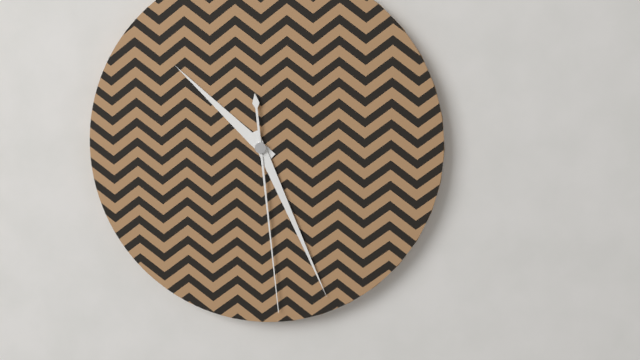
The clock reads **10:26:29**
